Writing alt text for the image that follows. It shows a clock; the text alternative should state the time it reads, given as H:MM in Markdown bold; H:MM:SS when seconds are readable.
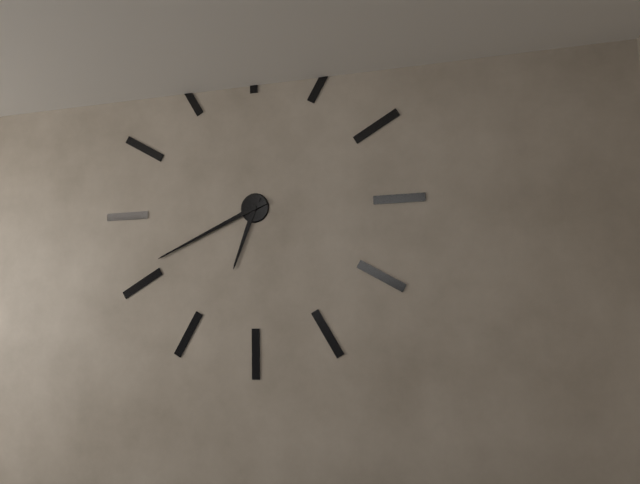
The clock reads **6:41**
